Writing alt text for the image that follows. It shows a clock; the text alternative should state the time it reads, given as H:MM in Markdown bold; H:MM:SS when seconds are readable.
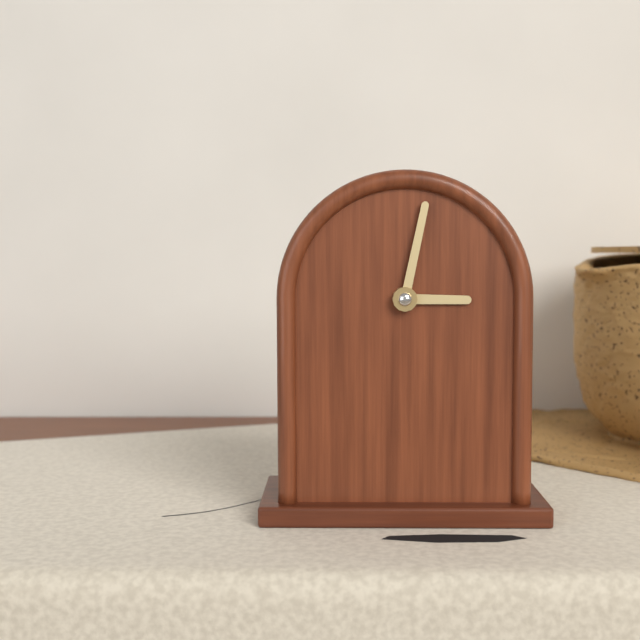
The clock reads **3:02**
